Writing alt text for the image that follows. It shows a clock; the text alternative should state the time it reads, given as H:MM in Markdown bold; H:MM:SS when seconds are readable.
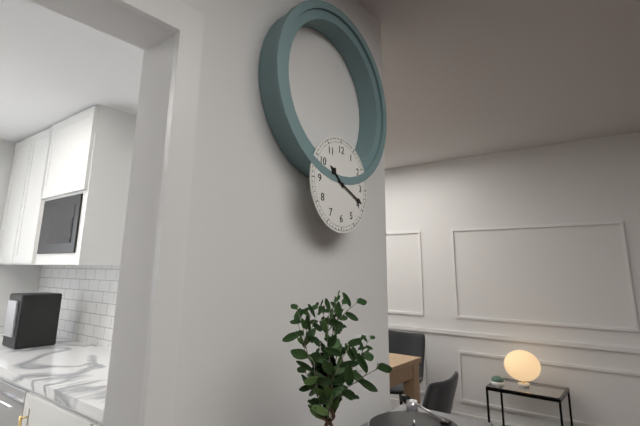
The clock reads **10:19**
